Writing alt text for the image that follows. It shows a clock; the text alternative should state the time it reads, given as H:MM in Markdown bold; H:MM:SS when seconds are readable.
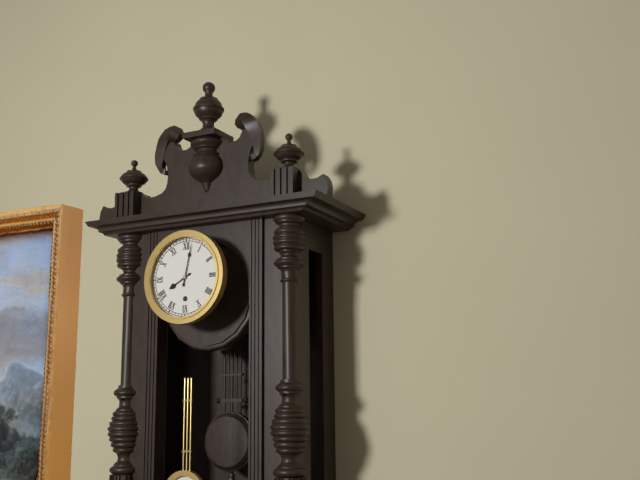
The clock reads **8:02**
